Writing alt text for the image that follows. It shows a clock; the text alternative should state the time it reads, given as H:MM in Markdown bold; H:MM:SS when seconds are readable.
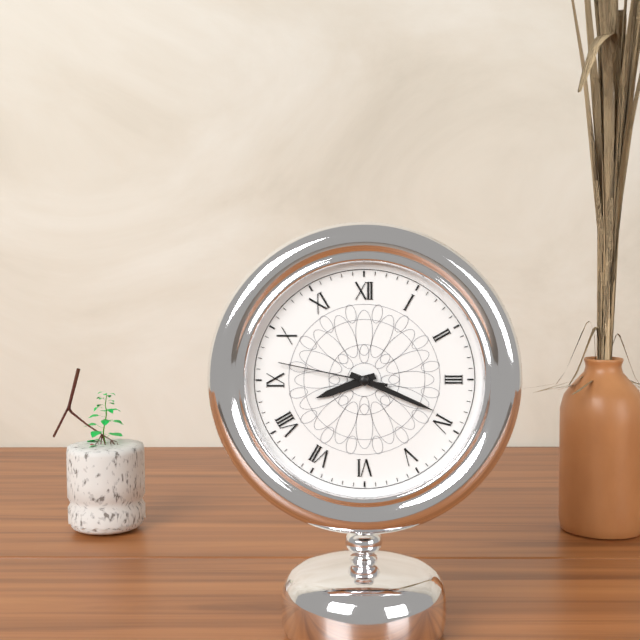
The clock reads **8:19:47**
